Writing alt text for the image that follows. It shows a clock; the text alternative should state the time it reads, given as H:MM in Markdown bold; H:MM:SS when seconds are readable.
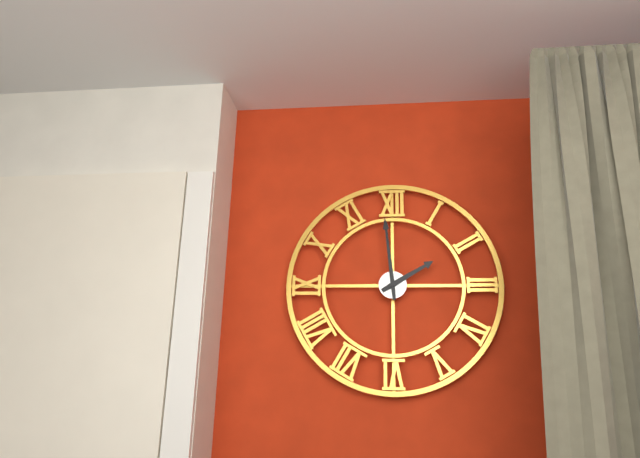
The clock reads **1:59**
